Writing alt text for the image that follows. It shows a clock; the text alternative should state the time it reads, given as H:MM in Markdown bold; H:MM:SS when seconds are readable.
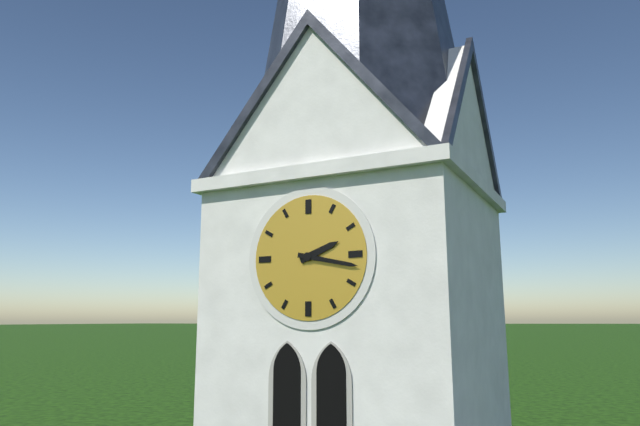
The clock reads **2:17**
